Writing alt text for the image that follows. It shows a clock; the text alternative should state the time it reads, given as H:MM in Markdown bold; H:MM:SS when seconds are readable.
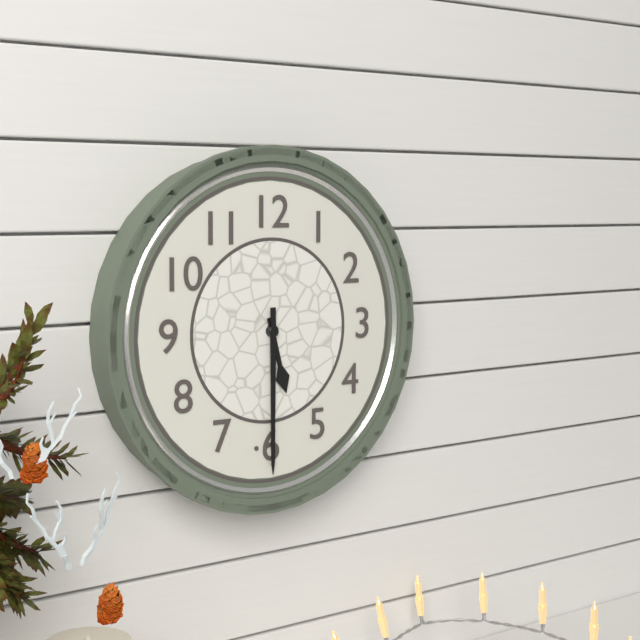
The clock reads **5:30**
